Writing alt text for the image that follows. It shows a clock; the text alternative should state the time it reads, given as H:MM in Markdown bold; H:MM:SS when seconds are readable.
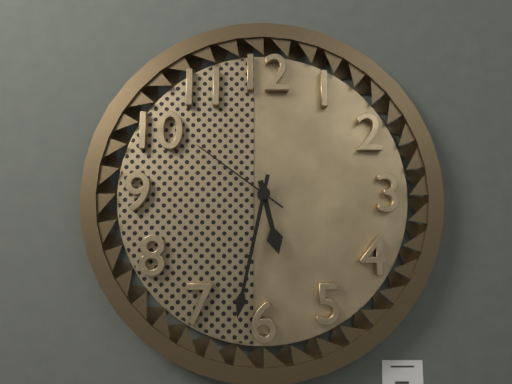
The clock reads **5:32:51**
